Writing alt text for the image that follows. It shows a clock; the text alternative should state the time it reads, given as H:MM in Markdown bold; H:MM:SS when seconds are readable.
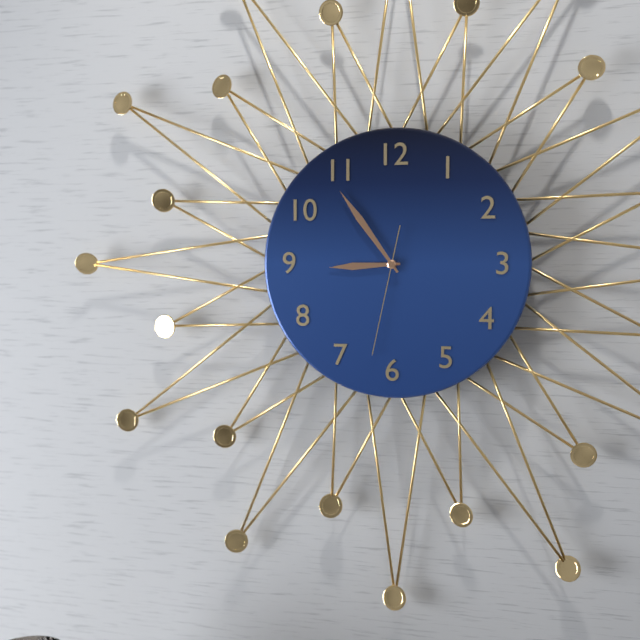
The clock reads **8:54:32**
